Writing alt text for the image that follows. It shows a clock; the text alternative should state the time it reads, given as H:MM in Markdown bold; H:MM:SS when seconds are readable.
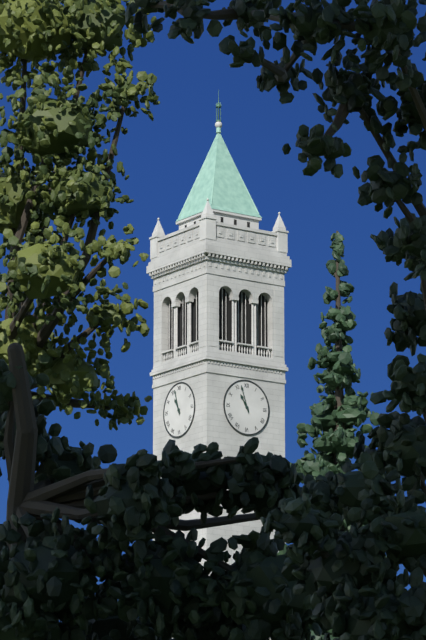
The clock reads **10:57**
